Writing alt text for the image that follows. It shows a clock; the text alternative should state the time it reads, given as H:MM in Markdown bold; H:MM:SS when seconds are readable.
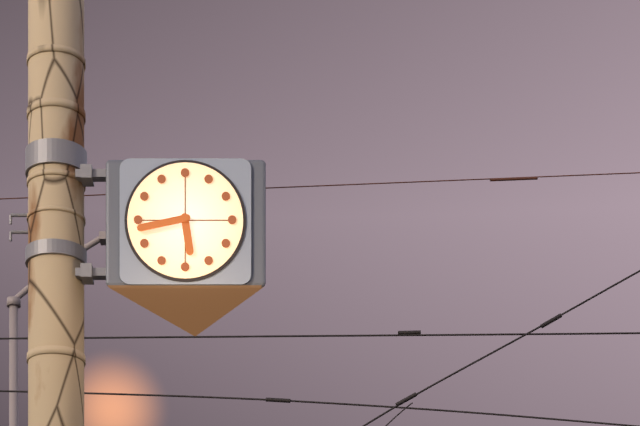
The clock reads **5:43**
